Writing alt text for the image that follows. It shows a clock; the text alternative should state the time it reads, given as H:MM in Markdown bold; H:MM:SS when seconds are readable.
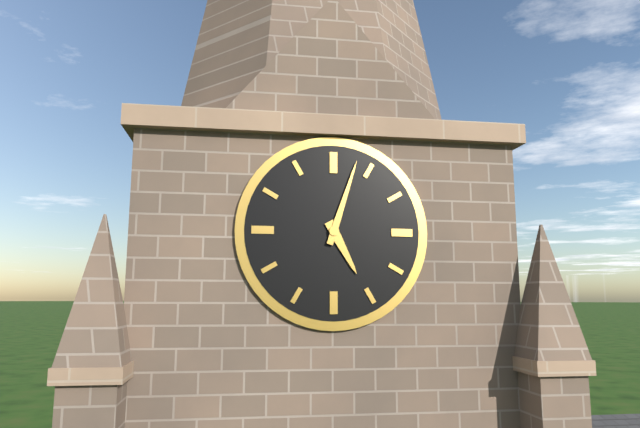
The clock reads **5:03**
